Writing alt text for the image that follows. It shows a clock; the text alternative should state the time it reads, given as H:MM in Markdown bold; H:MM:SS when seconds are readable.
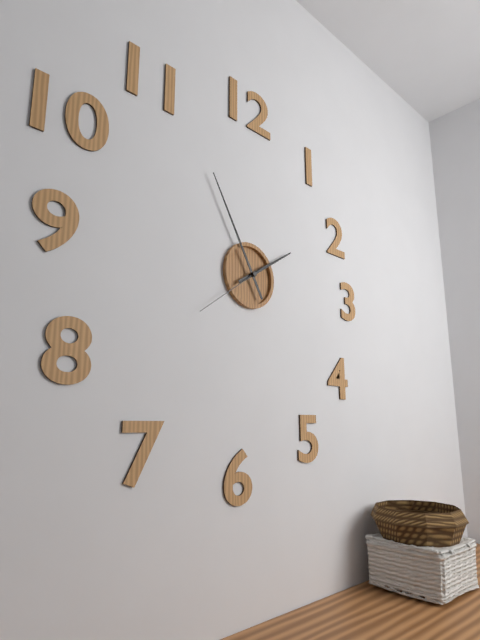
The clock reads **1:55:39**
